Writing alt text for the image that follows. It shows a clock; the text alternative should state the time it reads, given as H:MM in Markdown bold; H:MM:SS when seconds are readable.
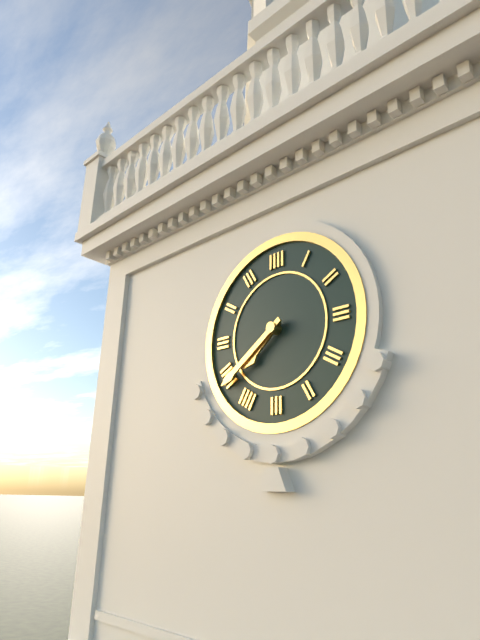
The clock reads **7:39**
